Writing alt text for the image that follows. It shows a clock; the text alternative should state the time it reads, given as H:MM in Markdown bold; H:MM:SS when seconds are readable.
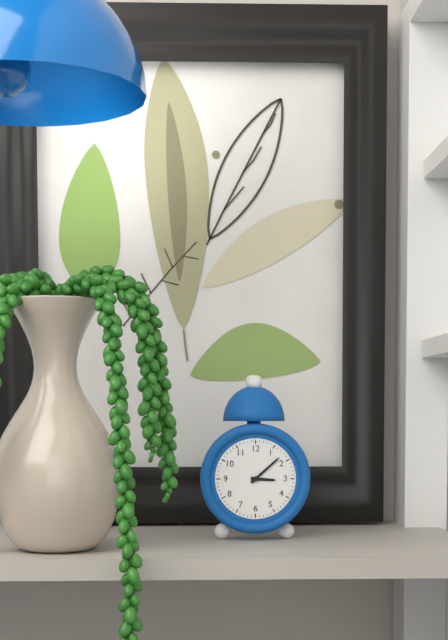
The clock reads **3:08**
